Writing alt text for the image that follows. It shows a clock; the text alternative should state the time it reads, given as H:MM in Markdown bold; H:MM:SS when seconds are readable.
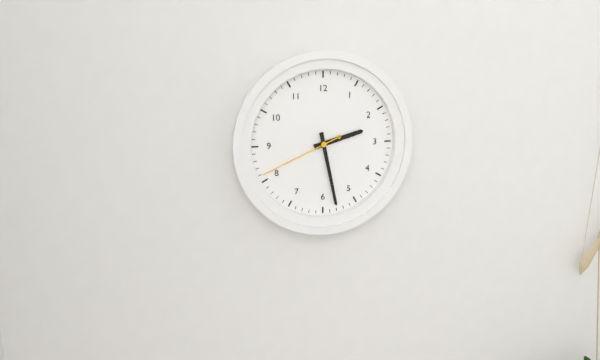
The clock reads **2:28:41**
